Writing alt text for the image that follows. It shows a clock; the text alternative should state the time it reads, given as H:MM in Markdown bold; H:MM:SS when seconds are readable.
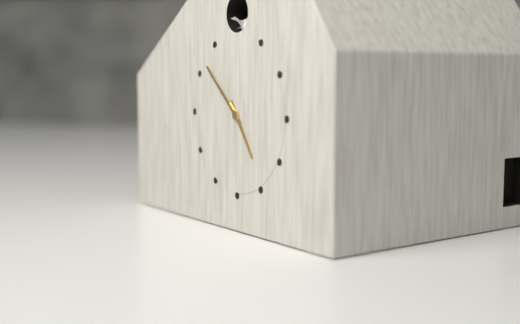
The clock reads **4:52**
